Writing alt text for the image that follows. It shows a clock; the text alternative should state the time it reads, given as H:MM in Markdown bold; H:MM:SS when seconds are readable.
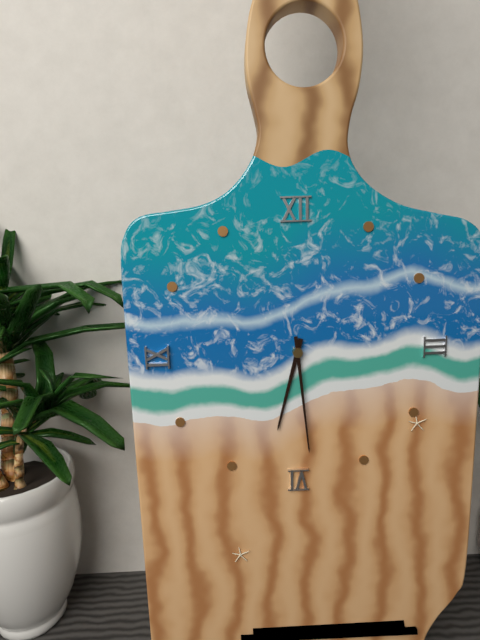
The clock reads **6:29**
